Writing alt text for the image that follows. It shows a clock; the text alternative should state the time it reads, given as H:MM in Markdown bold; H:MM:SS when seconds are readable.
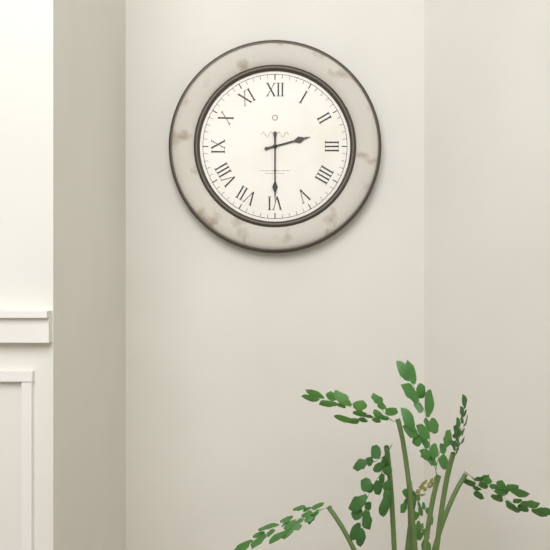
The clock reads **2:30**
